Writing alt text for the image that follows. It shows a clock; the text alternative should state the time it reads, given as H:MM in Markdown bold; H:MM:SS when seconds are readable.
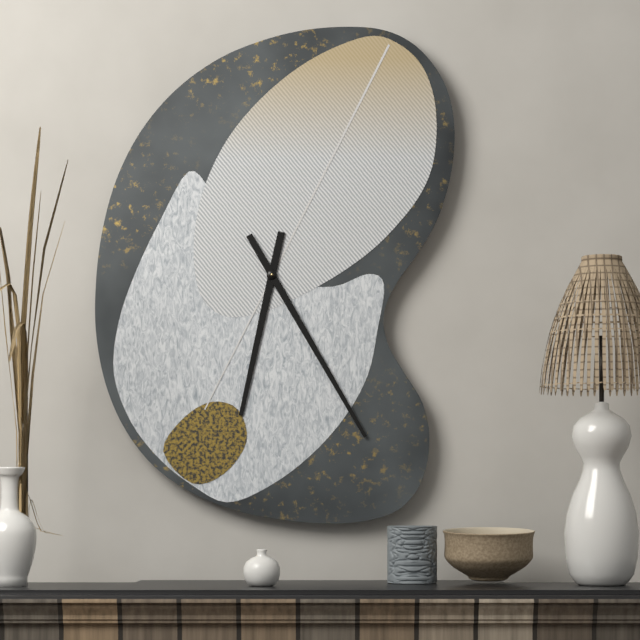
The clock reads **6:25**
